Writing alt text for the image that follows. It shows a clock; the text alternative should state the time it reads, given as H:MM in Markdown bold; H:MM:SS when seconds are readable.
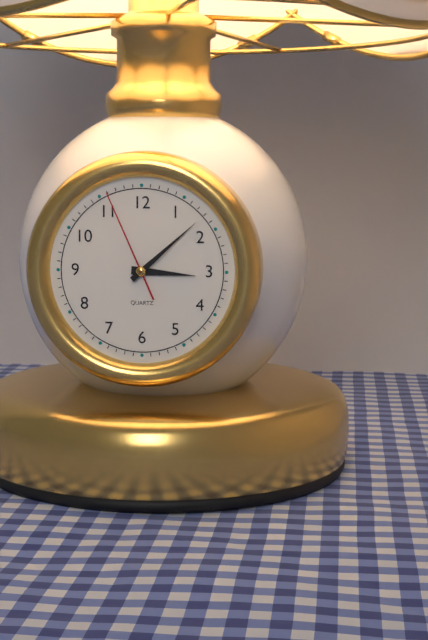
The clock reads **3:08:56**
